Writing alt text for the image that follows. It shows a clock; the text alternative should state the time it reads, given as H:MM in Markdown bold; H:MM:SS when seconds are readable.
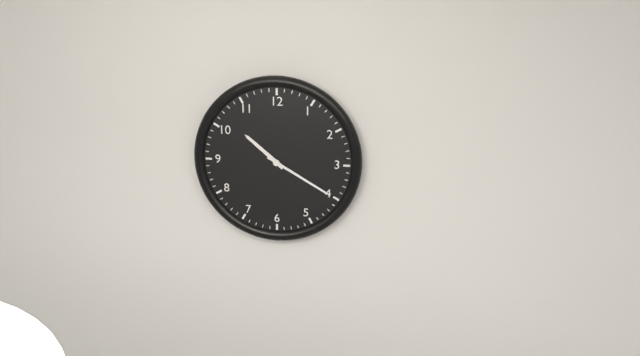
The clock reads **10:20**
